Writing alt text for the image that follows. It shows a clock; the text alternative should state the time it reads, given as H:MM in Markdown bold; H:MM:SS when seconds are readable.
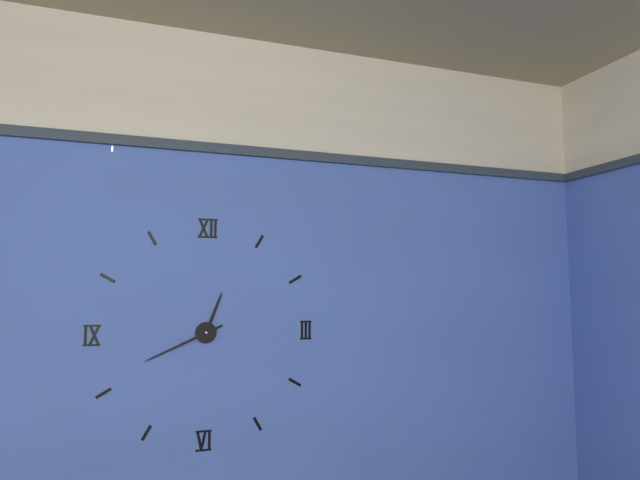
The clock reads **12:41**
